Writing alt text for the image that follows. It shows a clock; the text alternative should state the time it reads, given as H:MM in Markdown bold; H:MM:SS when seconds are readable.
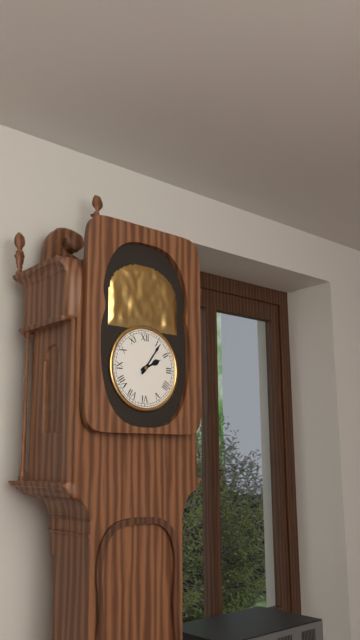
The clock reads **2:06**
